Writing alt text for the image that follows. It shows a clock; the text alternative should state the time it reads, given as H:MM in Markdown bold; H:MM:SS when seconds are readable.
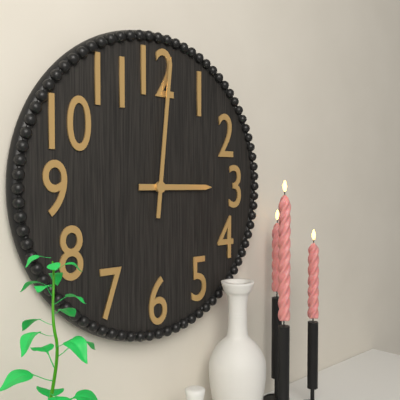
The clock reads **3:01**
